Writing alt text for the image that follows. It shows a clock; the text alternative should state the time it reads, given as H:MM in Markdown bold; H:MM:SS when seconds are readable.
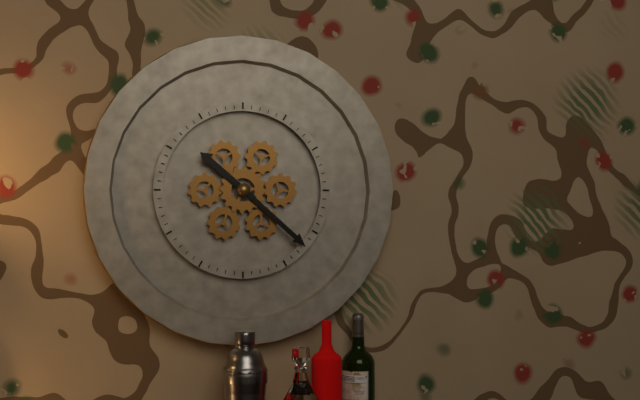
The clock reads **10:22**
